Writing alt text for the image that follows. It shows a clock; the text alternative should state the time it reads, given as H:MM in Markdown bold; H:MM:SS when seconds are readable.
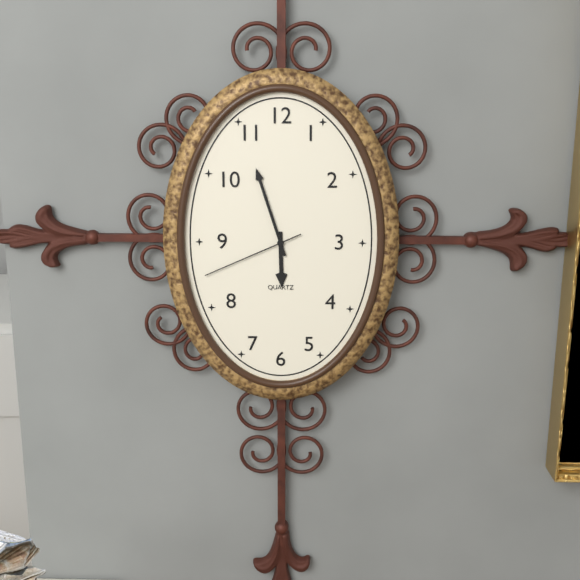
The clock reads **5:57:41**
